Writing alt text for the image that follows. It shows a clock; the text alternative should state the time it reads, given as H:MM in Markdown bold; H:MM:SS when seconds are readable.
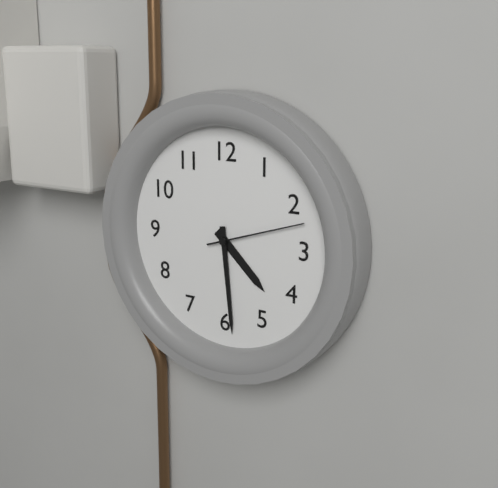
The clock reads **4:29:12**
